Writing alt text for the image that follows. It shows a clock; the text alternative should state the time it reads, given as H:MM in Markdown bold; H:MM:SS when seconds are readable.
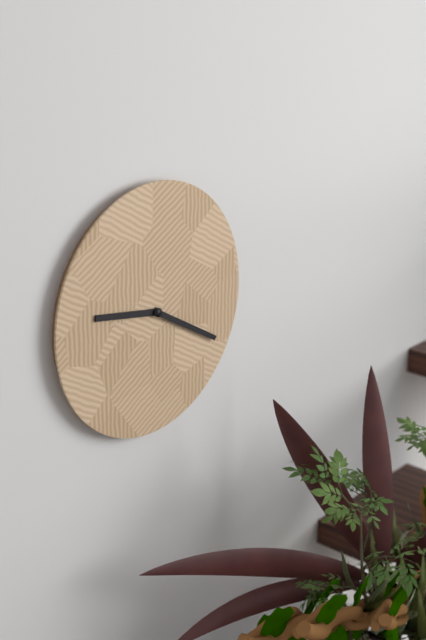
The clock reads **9:20**
